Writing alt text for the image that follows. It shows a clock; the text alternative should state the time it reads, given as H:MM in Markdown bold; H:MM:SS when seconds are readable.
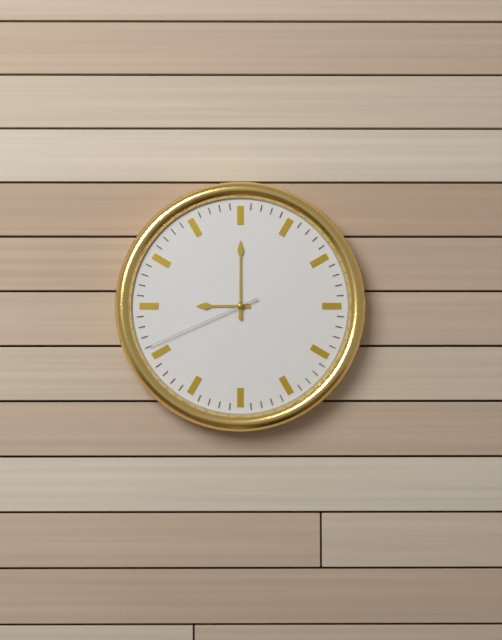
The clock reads **9:00:41**
